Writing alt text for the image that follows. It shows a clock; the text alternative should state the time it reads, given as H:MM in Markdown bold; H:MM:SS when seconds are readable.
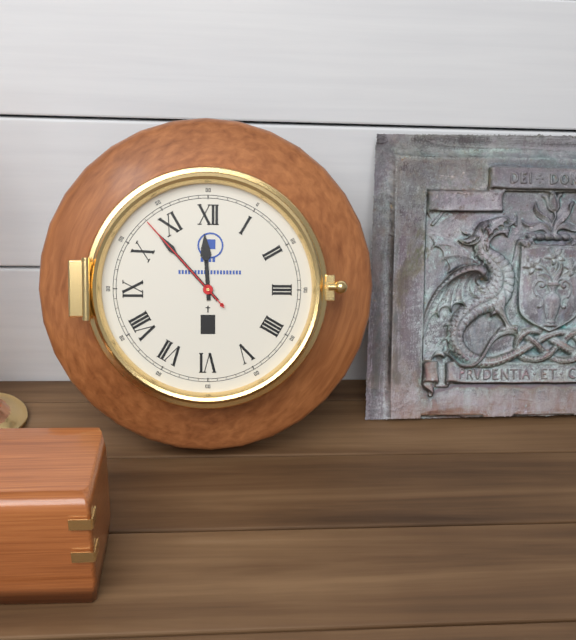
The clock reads **11:53:53**
